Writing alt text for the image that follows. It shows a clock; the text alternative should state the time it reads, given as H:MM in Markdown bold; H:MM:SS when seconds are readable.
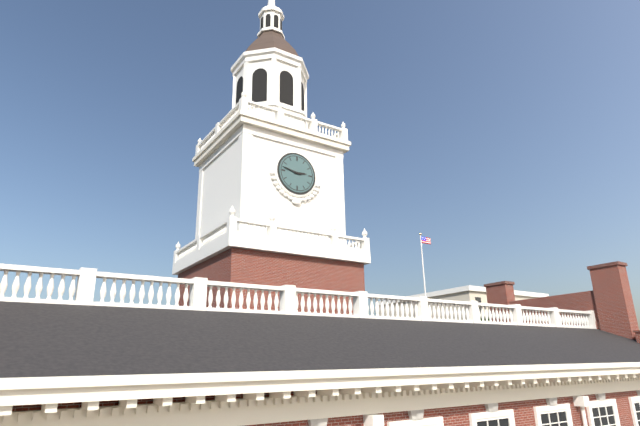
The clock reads **2:47**
